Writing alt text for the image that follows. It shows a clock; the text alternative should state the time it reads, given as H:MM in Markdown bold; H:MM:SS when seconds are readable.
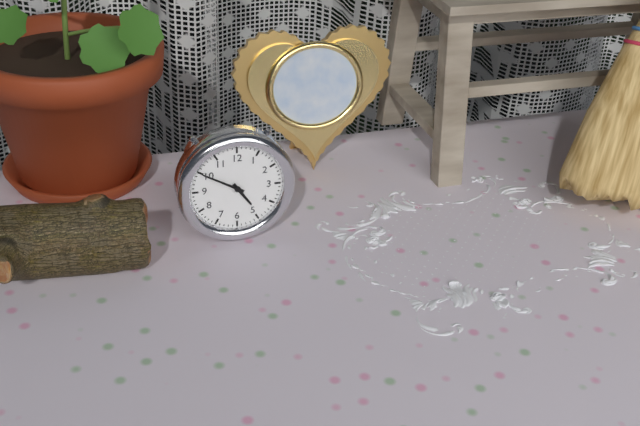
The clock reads **4:50**
